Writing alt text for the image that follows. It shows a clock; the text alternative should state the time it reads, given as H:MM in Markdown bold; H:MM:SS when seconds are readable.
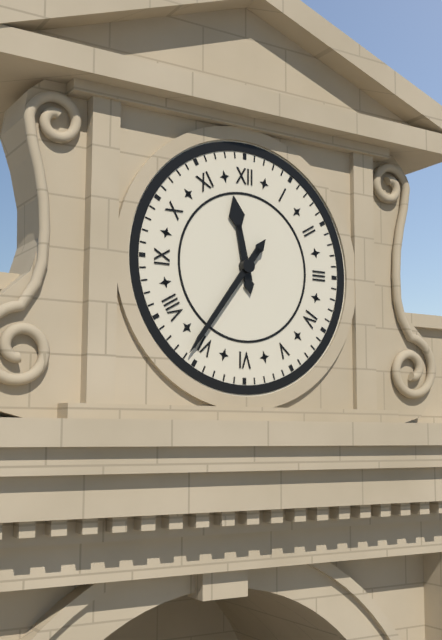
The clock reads **11:36**
